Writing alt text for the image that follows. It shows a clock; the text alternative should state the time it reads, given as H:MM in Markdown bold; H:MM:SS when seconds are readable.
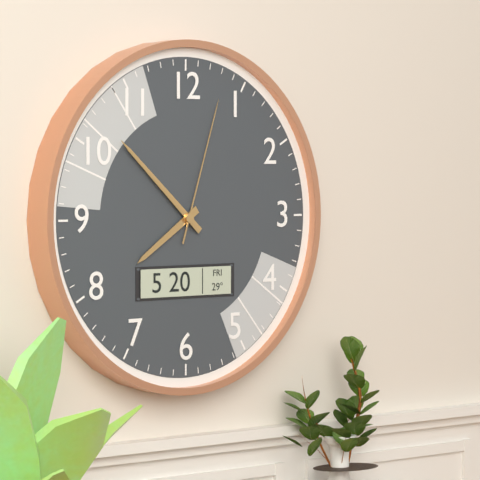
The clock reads **7:52:03**
